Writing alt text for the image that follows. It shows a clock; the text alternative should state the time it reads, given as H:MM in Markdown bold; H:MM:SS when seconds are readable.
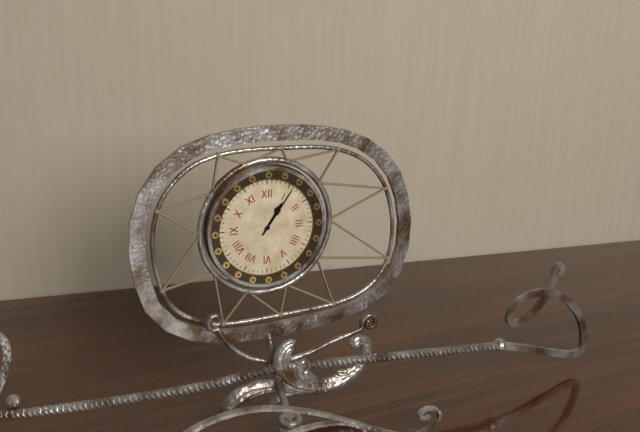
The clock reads **1:06**
